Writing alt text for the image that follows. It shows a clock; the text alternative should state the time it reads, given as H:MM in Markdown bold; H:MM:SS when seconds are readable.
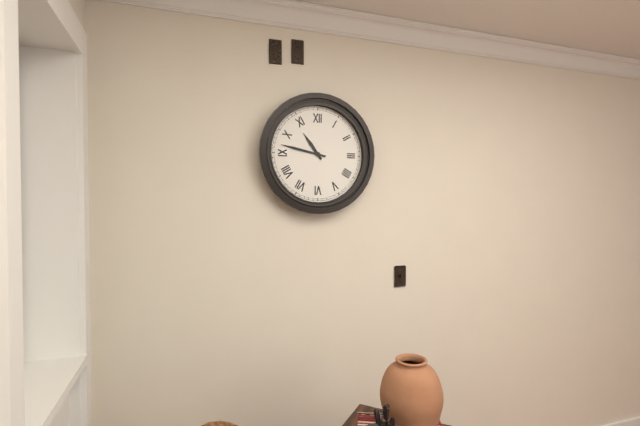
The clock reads **10:47**
